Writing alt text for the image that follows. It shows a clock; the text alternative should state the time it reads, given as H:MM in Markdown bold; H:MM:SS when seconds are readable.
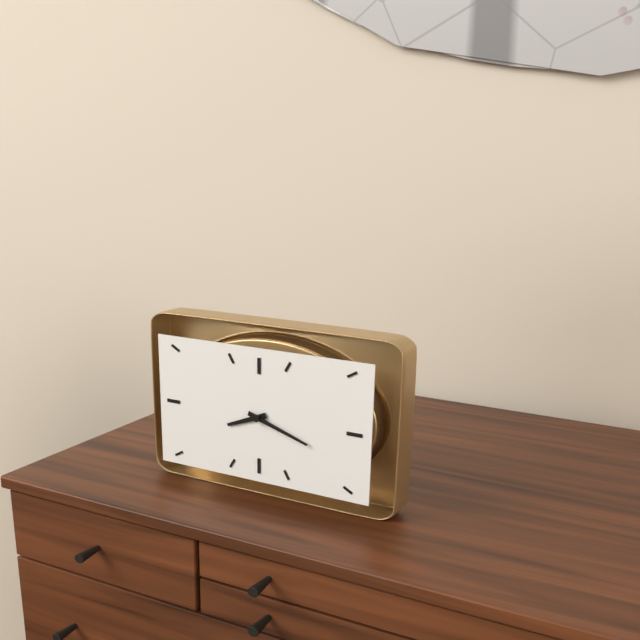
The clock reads **8:18**
